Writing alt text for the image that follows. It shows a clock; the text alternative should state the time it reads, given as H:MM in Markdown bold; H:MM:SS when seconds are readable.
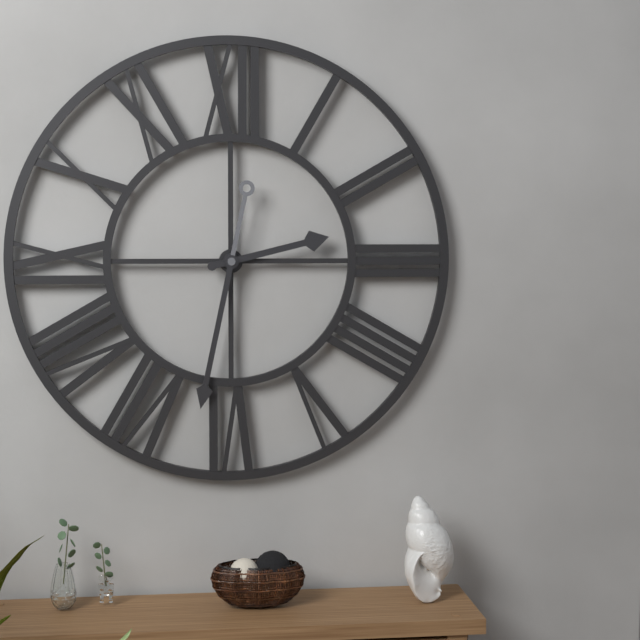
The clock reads **2:32**
